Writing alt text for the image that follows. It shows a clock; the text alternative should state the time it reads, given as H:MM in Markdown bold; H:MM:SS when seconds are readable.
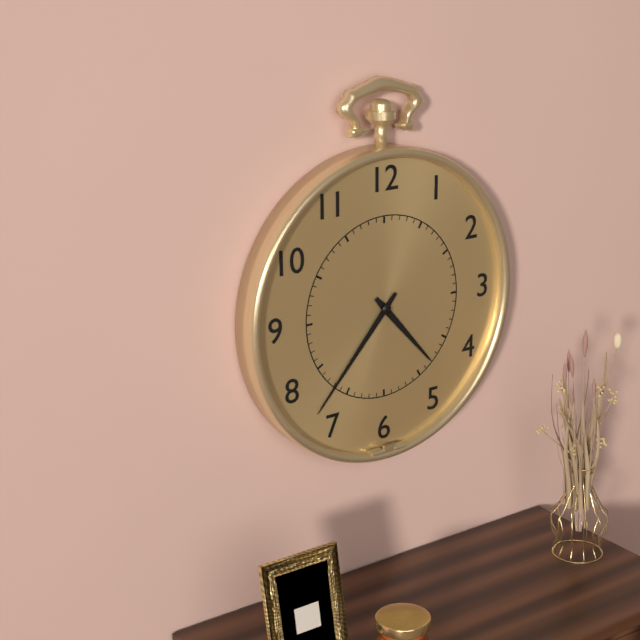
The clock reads **4:37**
